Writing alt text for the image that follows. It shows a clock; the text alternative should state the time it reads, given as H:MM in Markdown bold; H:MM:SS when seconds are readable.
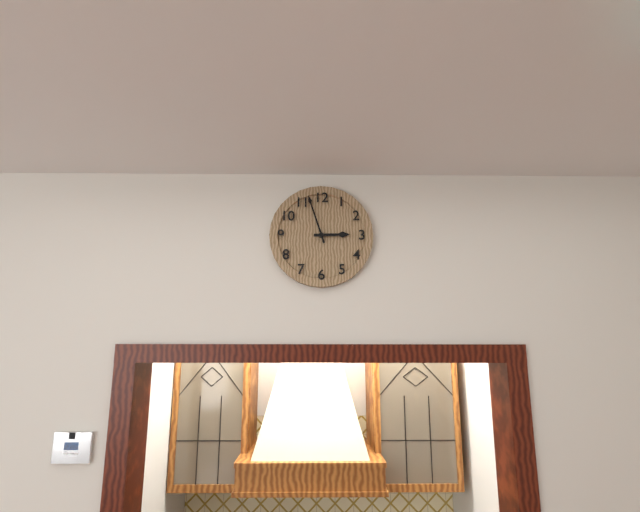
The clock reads **2:57**
